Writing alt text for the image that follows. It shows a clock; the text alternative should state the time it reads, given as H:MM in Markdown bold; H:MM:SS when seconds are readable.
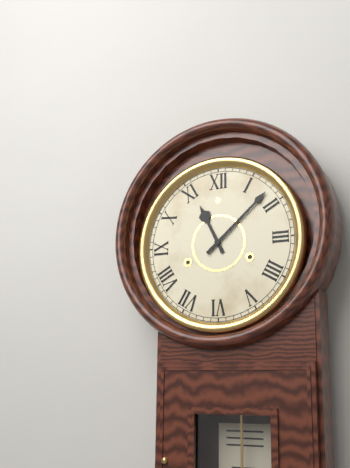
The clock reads **11:08**
